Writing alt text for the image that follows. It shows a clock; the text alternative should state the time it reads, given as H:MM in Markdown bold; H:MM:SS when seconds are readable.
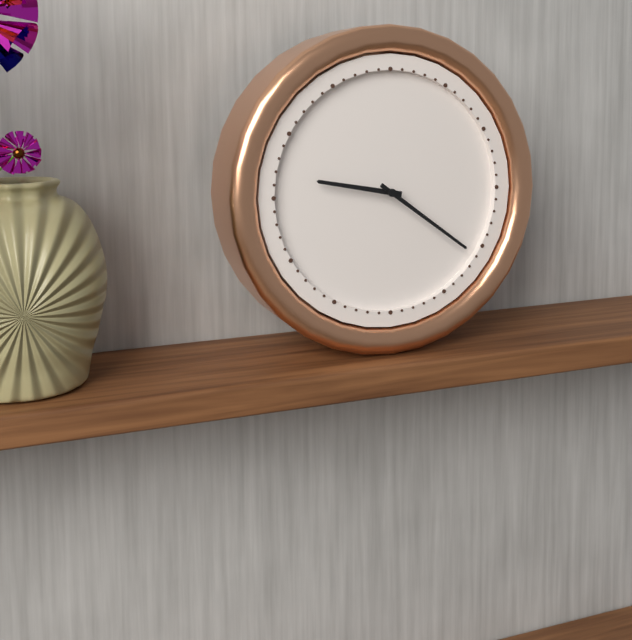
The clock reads **9:21**
